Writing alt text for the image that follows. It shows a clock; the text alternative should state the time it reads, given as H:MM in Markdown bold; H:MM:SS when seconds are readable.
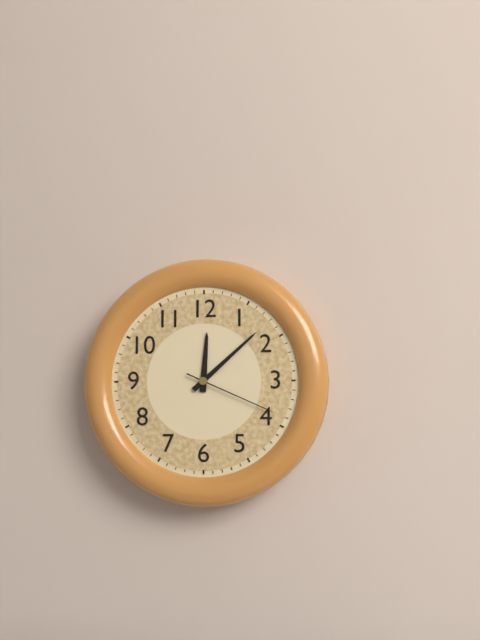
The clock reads **12:08:19**
